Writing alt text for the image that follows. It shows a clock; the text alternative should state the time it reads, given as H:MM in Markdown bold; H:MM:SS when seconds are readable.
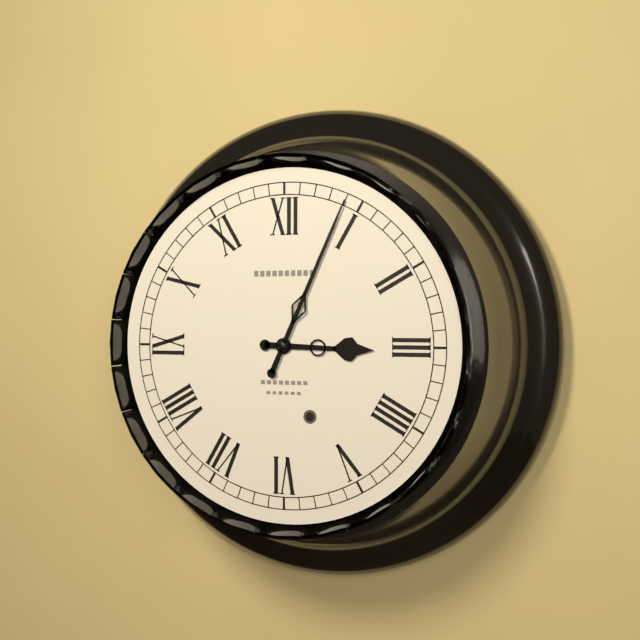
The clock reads **3:04**
